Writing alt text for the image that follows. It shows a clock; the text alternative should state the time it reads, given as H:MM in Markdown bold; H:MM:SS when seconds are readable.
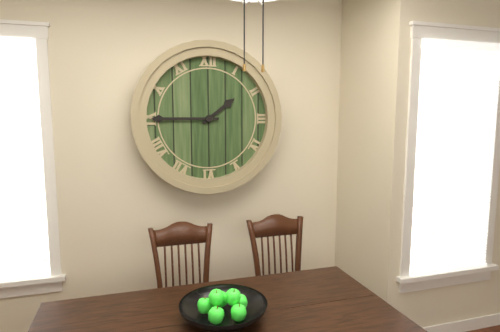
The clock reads **1:45**
